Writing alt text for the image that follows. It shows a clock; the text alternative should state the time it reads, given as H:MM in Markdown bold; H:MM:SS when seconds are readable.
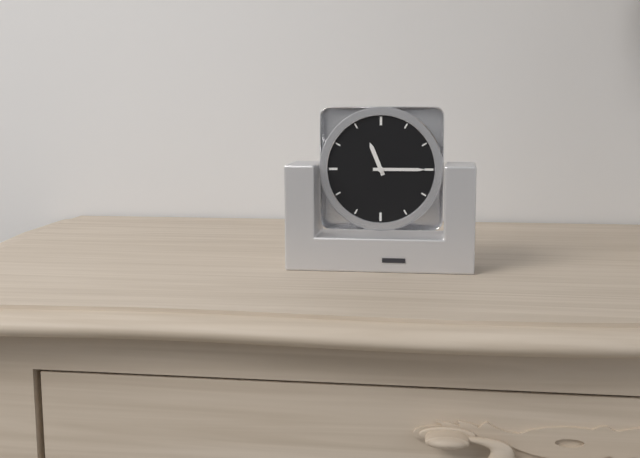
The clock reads **11:15**
